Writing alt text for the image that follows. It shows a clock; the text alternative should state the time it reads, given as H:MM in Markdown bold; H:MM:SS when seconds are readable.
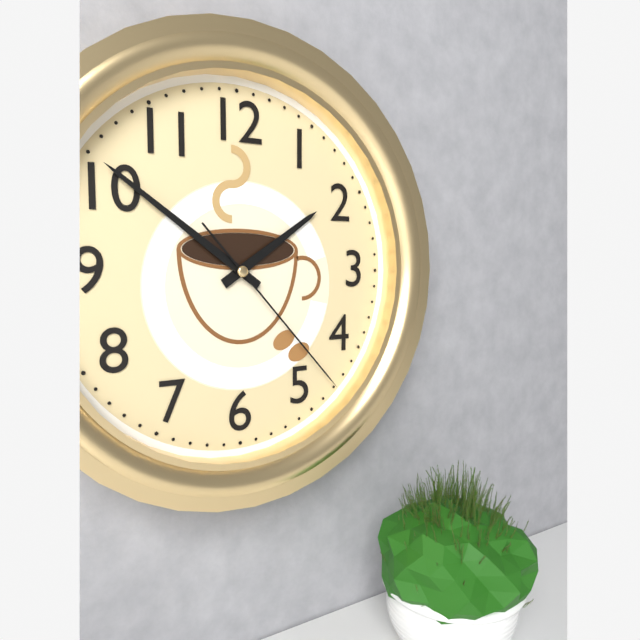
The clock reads **1:51:23**
